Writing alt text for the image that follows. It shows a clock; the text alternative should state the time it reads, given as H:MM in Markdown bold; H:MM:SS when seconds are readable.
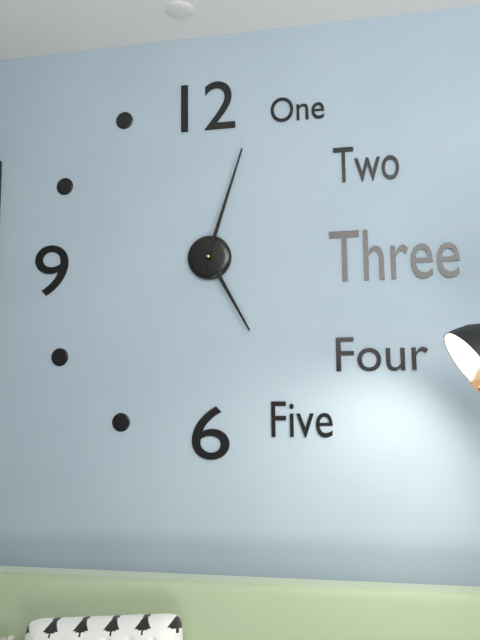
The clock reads **5:03**
